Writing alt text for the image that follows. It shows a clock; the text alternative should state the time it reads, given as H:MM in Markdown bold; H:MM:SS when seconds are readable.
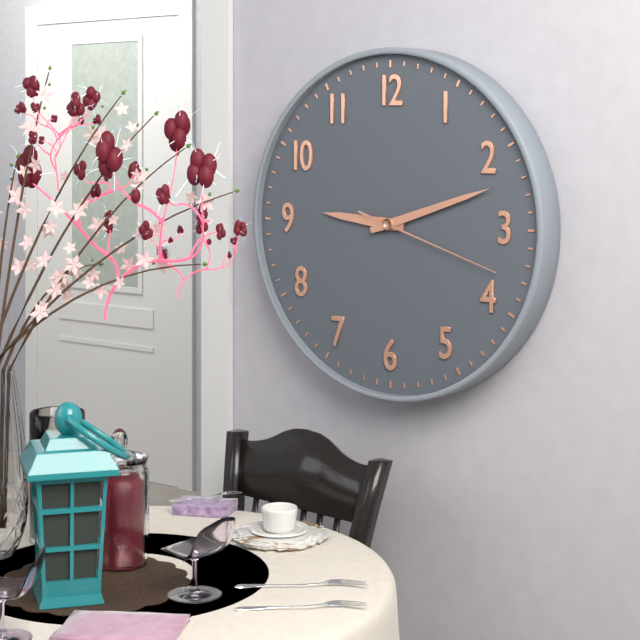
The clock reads **9:12:18**
